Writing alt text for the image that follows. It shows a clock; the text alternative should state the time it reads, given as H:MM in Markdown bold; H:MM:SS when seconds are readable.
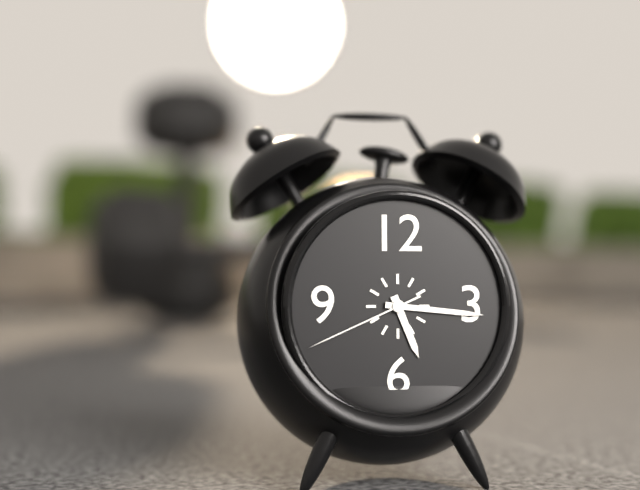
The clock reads **5:16:41**
